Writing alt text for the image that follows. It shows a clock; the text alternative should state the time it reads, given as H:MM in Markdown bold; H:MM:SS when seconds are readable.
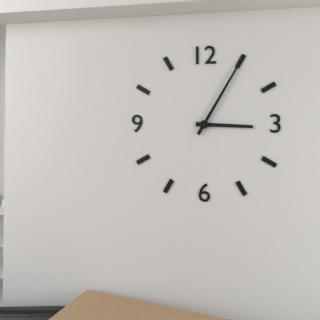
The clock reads **3:05**
